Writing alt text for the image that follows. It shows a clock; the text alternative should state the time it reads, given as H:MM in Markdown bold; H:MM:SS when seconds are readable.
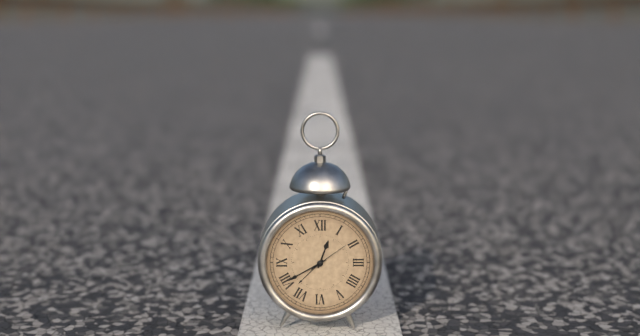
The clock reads **12:40**
